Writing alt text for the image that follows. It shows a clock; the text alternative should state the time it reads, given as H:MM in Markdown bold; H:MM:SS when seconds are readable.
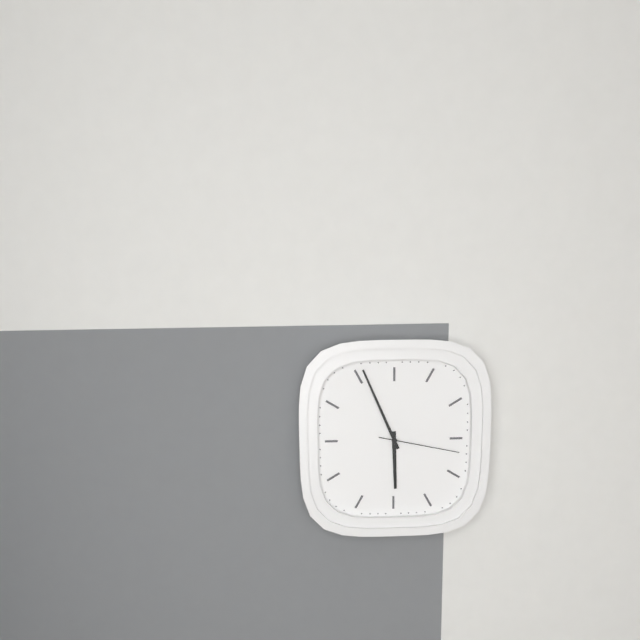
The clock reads **5:56:17**
